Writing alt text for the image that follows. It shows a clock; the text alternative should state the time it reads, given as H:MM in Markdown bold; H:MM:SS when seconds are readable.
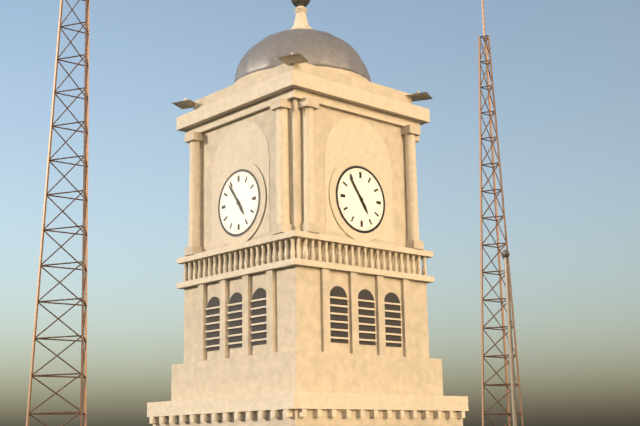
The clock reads **4:54**
